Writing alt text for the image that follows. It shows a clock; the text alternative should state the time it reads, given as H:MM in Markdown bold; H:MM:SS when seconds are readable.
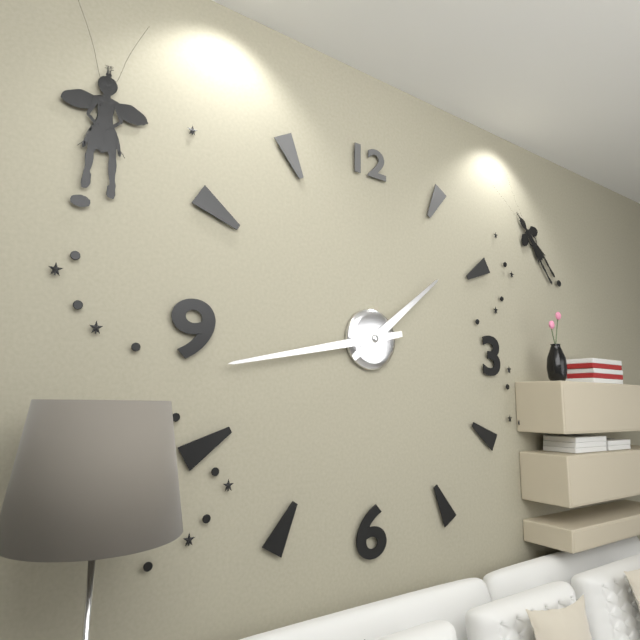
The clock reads **1:43**
